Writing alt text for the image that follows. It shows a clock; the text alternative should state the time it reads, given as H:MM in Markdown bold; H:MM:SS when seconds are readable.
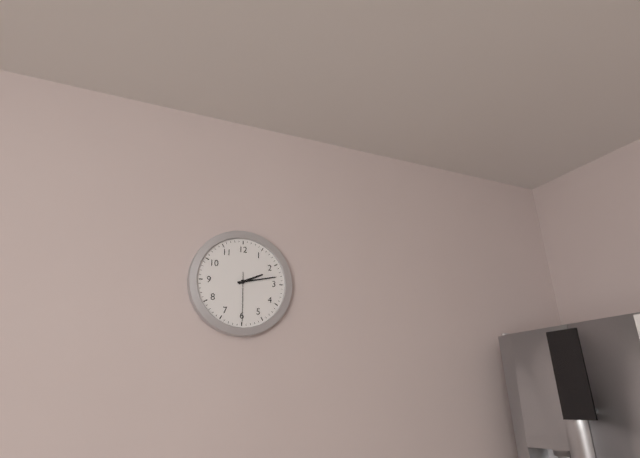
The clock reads **2:13:30**
